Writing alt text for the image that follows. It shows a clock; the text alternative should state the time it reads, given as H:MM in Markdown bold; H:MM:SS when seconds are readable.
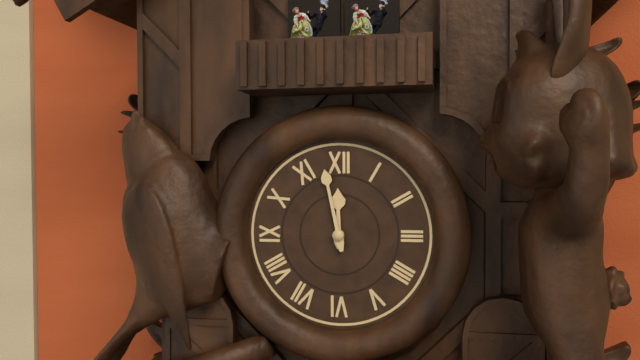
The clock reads **11:58**
